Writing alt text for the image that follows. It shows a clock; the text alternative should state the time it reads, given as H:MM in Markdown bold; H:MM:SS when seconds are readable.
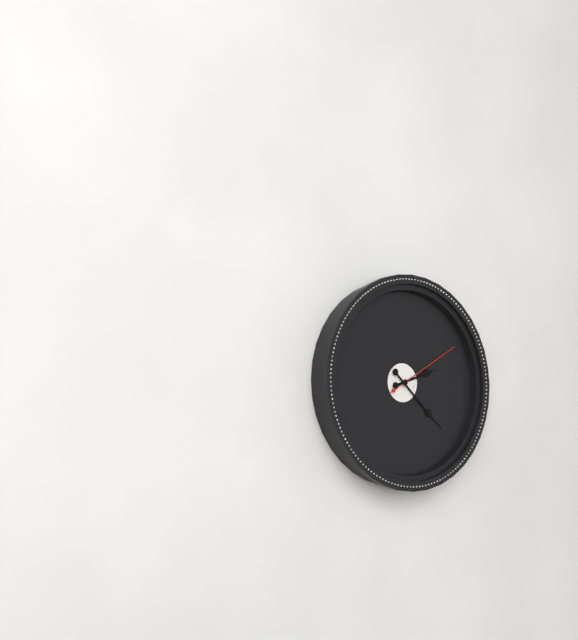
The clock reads **2:22:10**
